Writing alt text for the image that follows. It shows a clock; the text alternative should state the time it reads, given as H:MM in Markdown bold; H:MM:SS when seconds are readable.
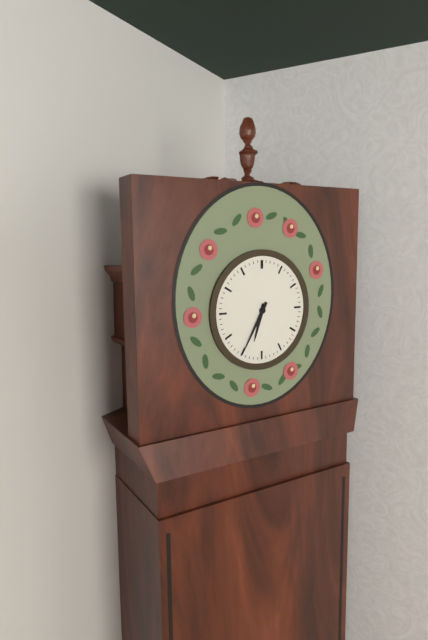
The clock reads **6:35**
